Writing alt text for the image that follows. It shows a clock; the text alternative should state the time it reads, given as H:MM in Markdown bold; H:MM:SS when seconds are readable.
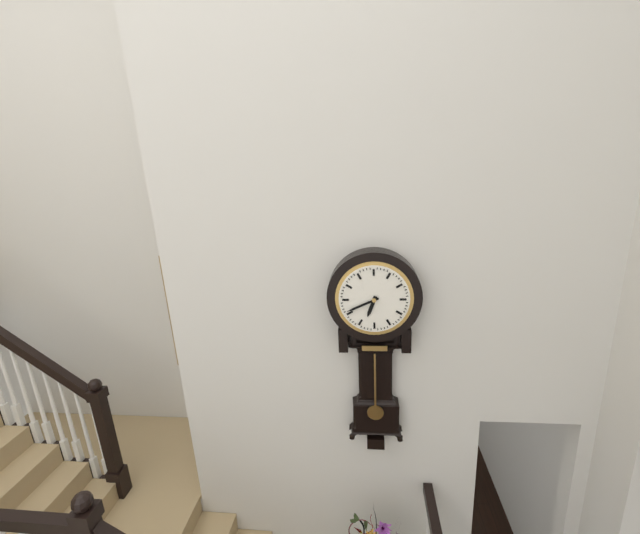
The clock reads **6:41**
